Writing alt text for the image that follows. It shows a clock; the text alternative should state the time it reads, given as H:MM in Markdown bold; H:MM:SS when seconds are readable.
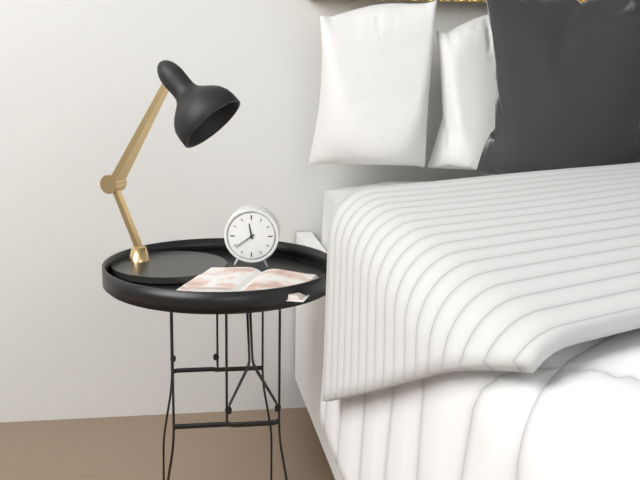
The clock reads **11:39**
